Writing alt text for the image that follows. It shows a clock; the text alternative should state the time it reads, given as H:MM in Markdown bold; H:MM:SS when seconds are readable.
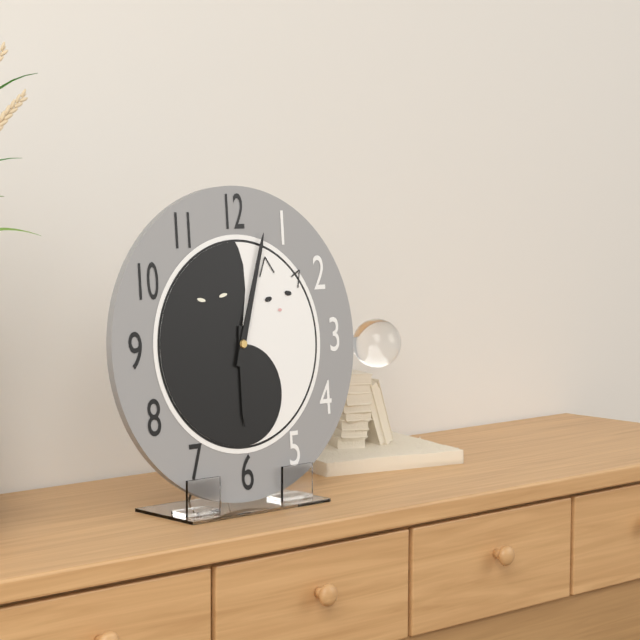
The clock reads **6:03**
